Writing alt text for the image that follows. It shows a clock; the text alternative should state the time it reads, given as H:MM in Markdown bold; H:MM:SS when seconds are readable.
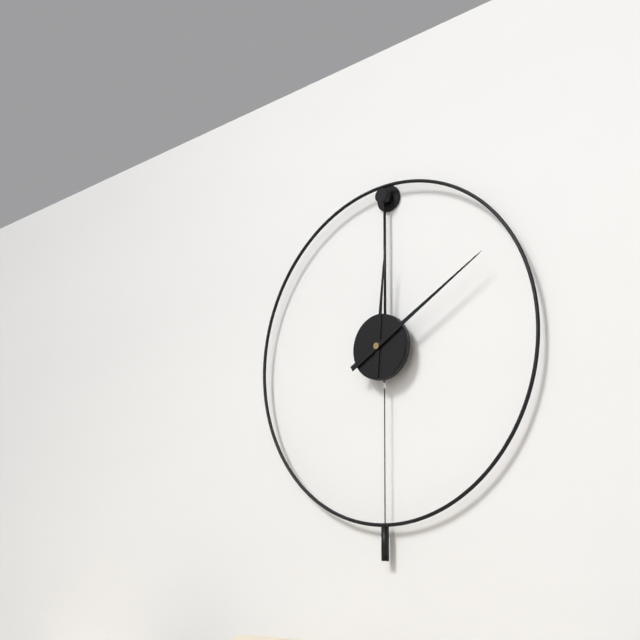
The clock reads **12:10**
